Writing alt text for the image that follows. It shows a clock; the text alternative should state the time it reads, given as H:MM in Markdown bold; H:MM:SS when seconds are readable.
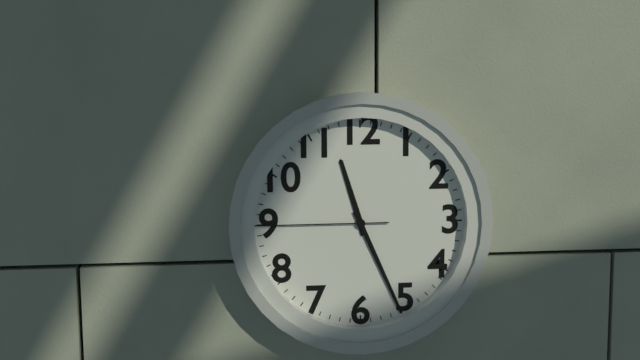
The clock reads **11:26:45**
